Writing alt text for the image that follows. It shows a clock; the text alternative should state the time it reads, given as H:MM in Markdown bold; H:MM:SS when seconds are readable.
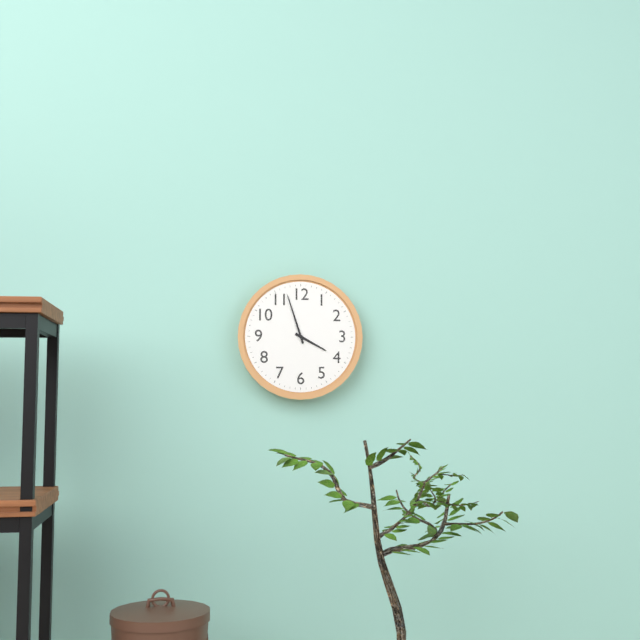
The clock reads **3:57**
